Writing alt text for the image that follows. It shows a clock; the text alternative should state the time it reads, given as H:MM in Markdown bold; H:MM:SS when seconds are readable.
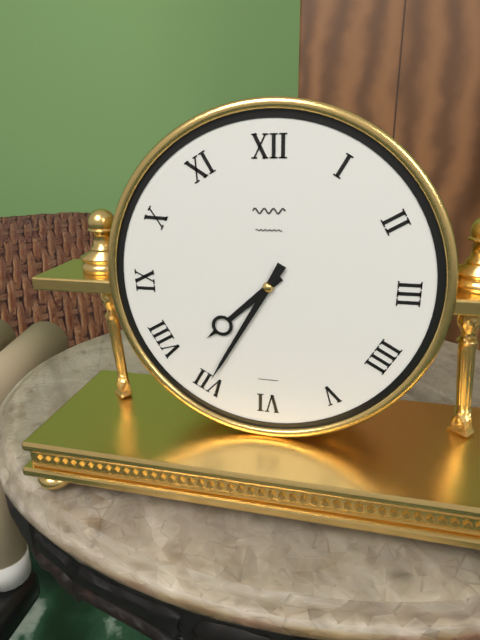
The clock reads **7:35**
